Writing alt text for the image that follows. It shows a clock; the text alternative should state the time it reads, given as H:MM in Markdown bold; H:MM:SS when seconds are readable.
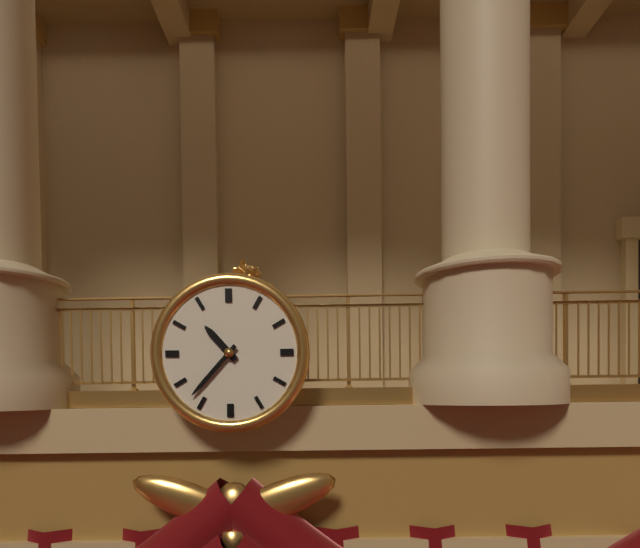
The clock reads **10:37**
